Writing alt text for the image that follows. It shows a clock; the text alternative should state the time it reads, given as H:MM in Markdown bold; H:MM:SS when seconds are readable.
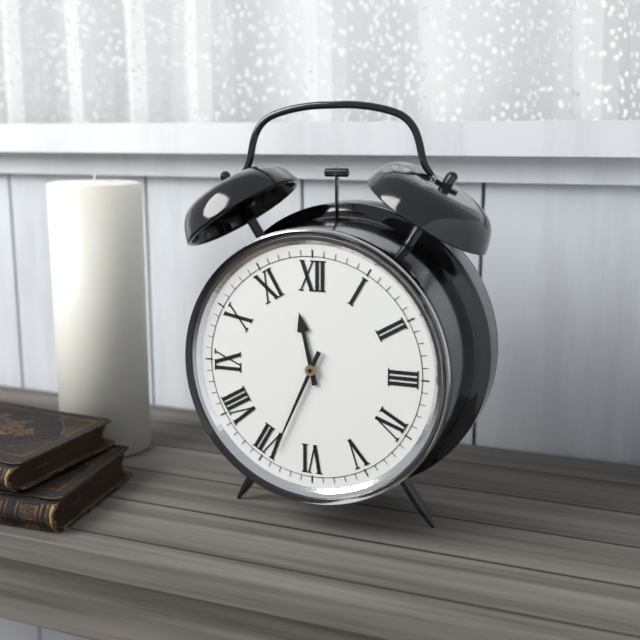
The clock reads **11:34**
